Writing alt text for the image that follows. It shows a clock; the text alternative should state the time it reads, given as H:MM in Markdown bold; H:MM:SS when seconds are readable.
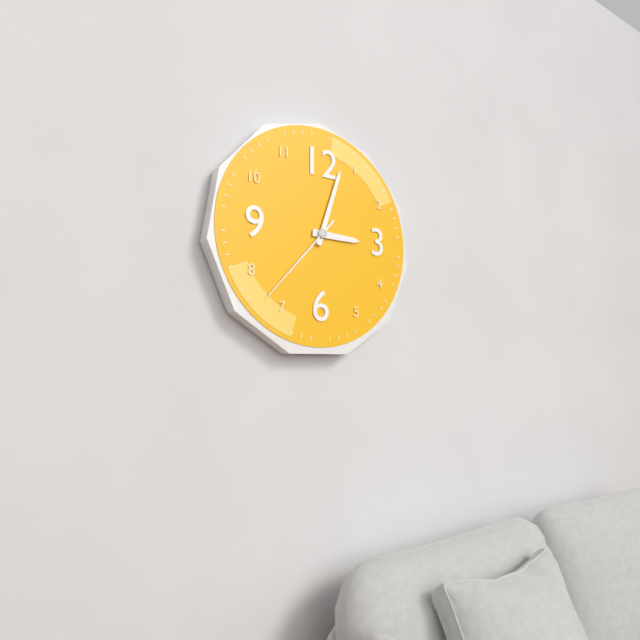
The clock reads **3:03:37**
